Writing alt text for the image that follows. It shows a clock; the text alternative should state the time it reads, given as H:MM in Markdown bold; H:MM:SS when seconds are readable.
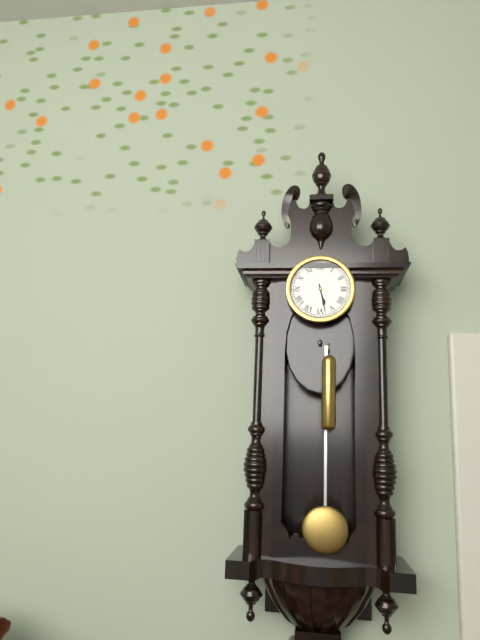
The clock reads **5:28**
